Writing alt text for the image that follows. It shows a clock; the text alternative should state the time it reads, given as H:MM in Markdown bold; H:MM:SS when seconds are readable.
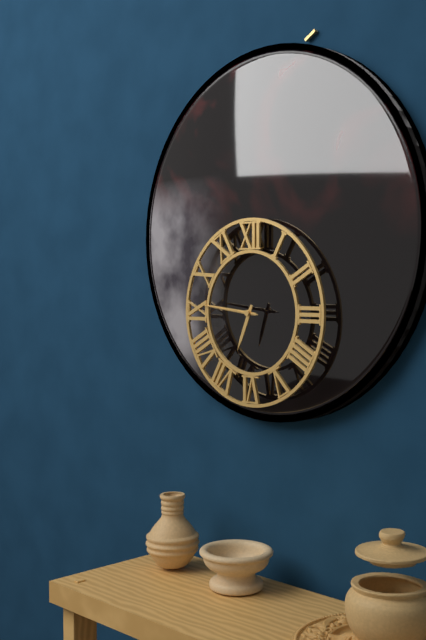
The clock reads **6:46:46**
